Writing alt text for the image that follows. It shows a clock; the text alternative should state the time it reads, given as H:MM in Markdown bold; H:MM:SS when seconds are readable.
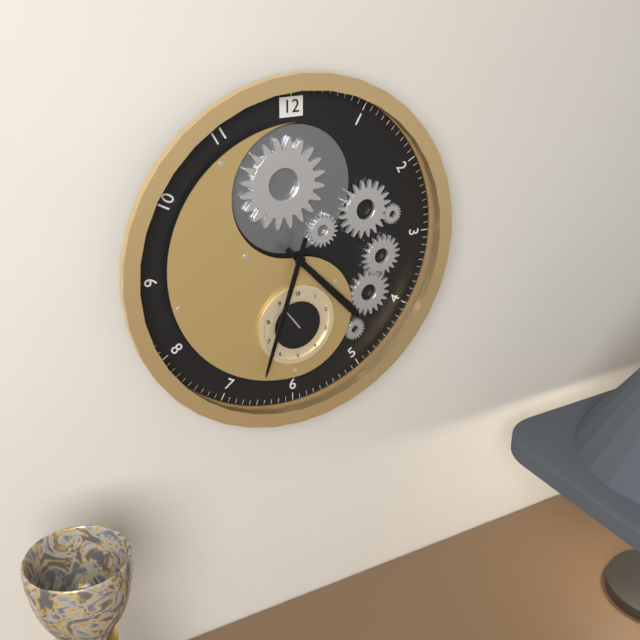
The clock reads **4:33**
